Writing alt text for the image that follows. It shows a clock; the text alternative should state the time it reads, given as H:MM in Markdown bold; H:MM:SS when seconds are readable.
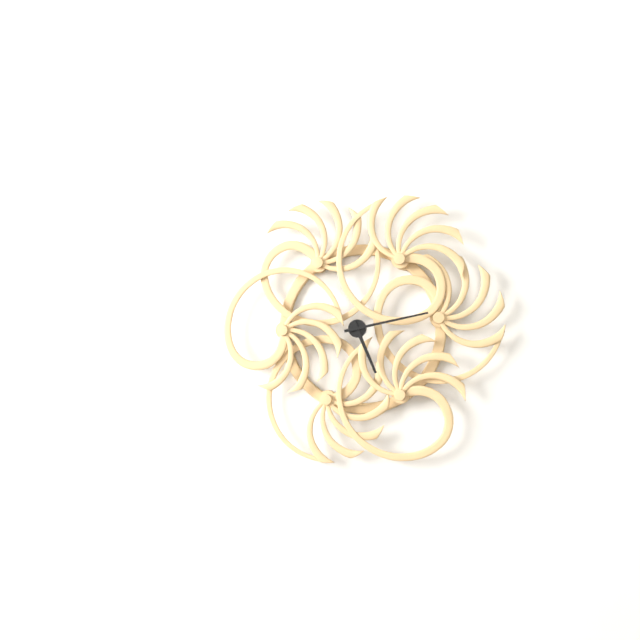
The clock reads **5:13**
